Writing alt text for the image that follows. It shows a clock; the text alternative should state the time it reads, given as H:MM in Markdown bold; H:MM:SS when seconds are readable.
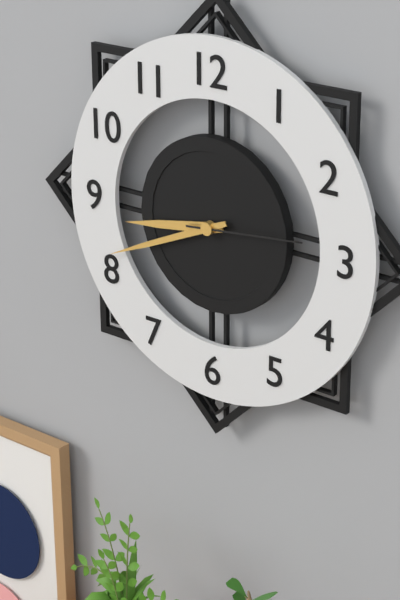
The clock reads **8:41:14**
